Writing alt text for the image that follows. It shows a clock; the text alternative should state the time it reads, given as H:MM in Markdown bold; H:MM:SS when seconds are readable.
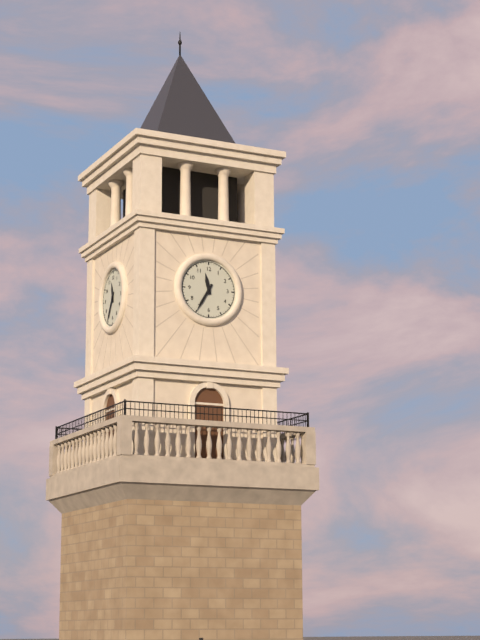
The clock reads **11:35**
